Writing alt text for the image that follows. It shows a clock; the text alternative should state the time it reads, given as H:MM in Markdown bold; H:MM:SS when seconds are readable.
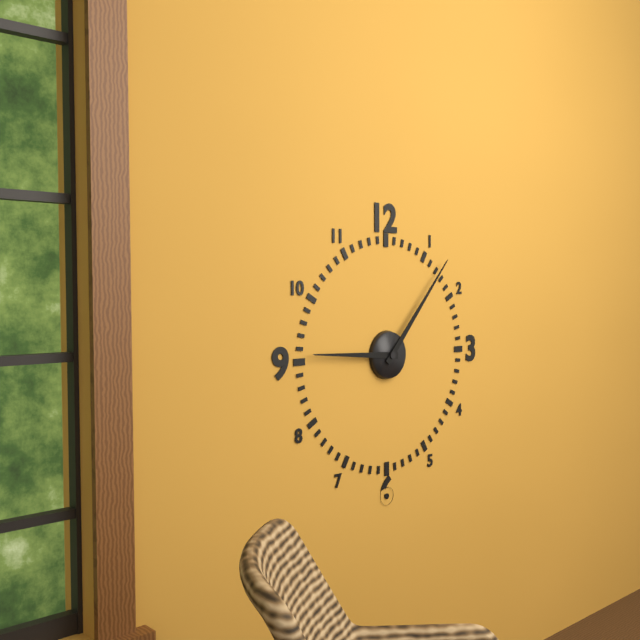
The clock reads **9:07**
